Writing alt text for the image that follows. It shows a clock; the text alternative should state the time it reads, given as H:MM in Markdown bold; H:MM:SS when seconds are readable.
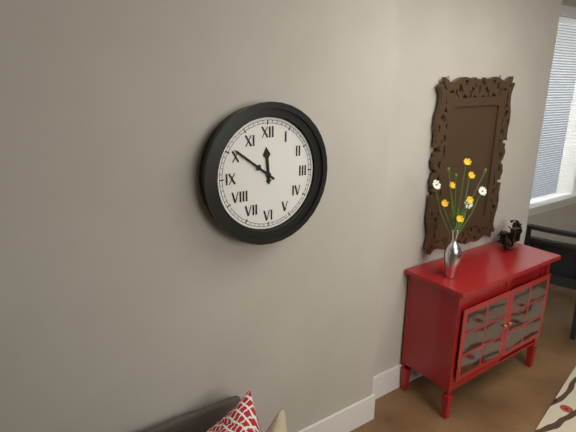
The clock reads **11:51**
